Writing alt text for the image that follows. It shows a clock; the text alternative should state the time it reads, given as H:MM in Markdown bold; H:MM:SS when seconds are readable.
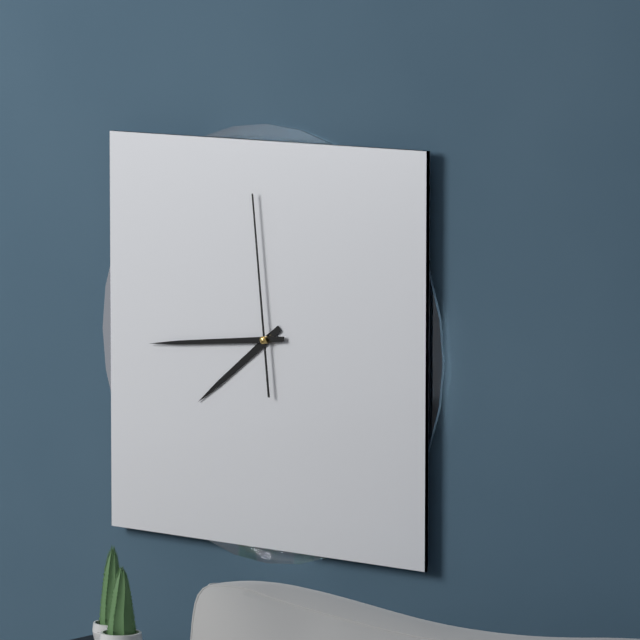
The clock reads **7:44:59**
